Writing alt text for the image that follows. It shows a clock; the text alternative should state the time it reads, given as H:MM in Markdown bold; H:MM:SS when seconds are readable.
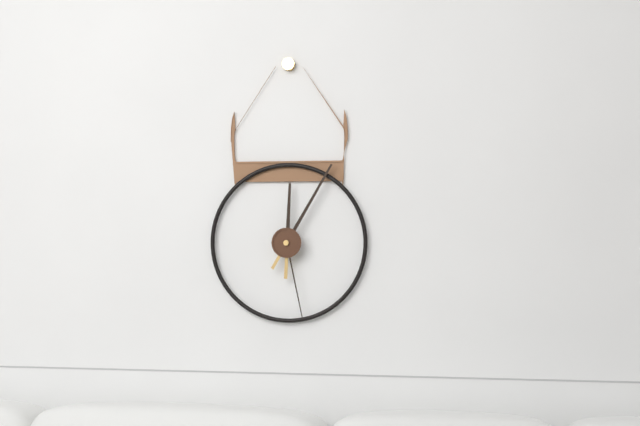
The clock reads **12:05:28**
